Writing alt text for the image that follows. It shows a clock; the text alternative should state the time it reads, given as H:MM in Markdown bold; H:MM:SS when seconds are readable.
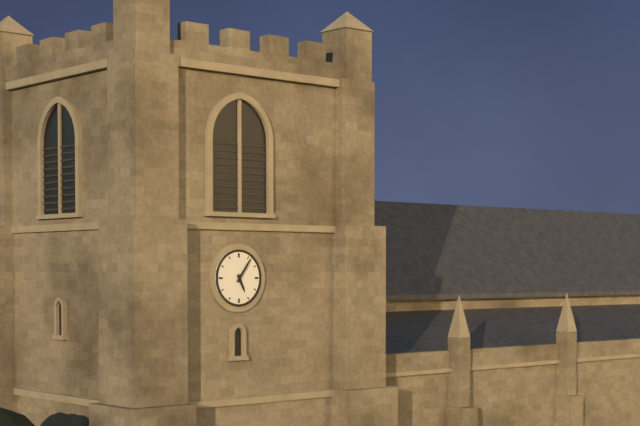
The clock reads **5:06**
